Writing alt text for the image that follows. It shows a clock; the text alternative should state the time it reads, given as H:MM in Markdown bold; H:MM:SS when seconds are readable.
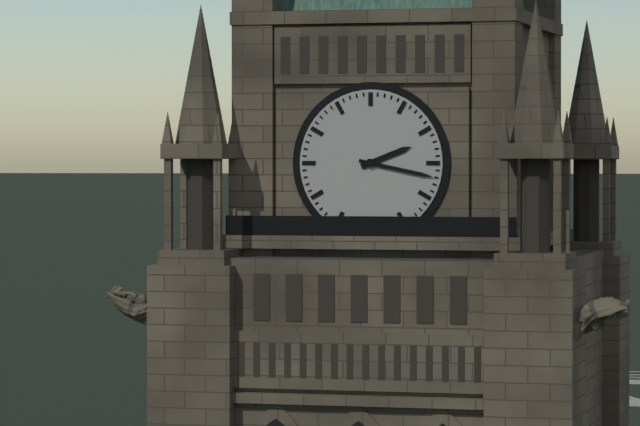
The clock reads **2:17**
